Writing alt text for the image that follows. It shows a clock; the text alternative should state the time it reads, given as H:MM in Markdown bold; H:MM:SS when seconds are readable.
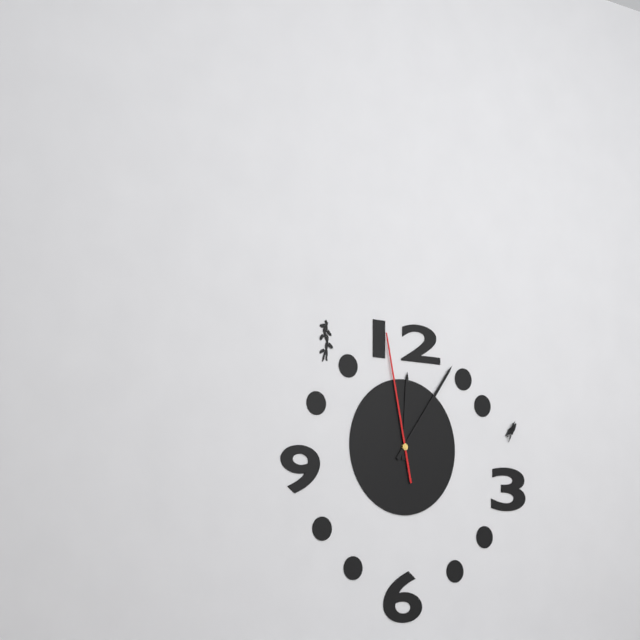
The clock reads **12:06:58**
